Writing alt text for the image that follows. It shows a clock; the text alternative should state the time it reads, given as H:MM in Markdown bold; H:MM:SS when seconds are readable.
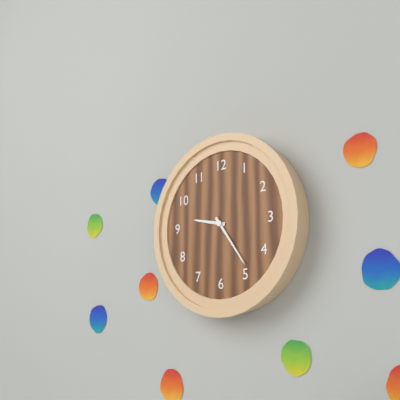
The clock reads **9:24**
